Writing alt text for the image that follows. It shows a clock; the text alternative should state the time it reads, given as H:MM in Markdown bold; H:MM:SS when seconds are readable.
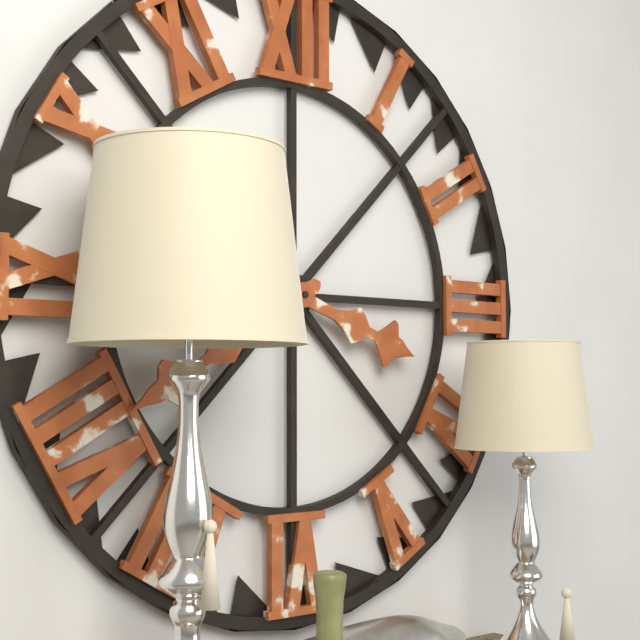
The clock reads **3:40**
